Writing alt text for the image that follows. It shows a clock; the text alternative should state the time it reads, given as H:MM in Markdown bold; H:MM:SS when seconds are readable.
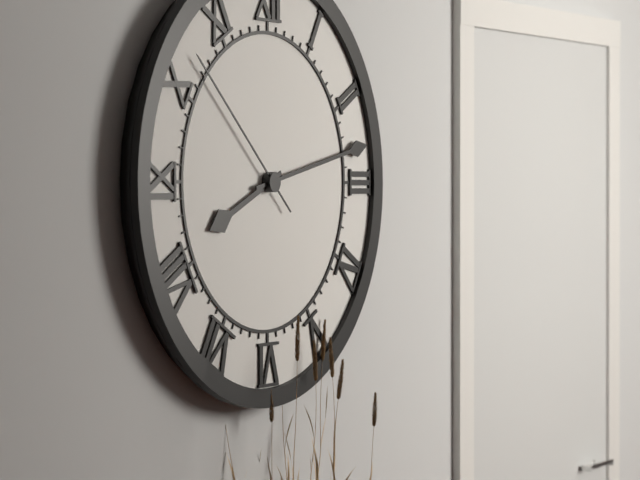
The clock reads **8:13:52**
